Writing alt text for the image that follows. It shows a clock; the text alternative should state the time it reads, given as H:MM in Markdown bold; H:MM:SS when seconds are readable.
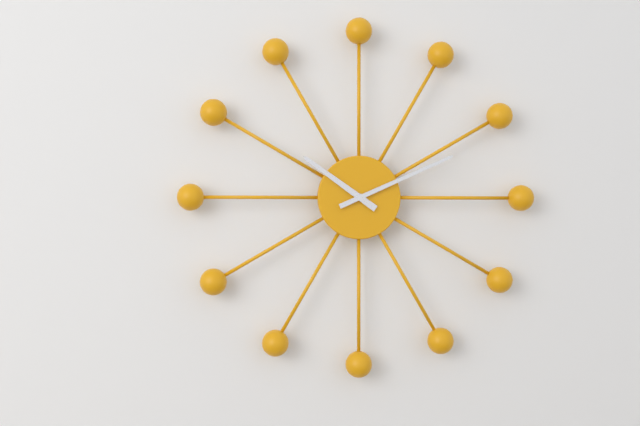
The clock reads **10:11**
